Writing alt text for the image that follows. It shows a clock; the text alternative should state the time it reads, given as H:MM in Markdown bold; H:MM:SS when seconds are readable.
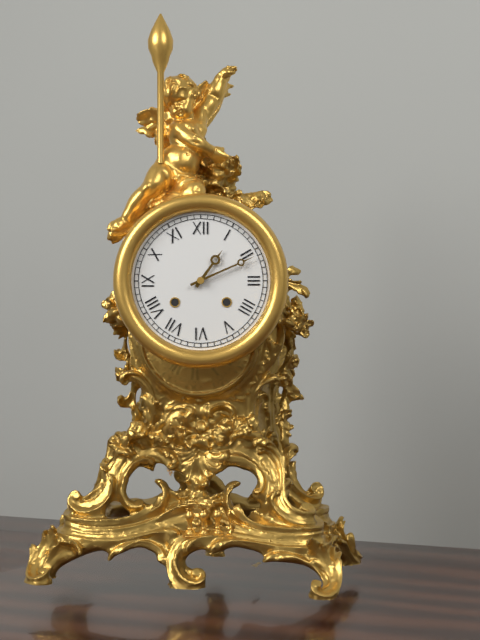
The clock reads **1:11**
